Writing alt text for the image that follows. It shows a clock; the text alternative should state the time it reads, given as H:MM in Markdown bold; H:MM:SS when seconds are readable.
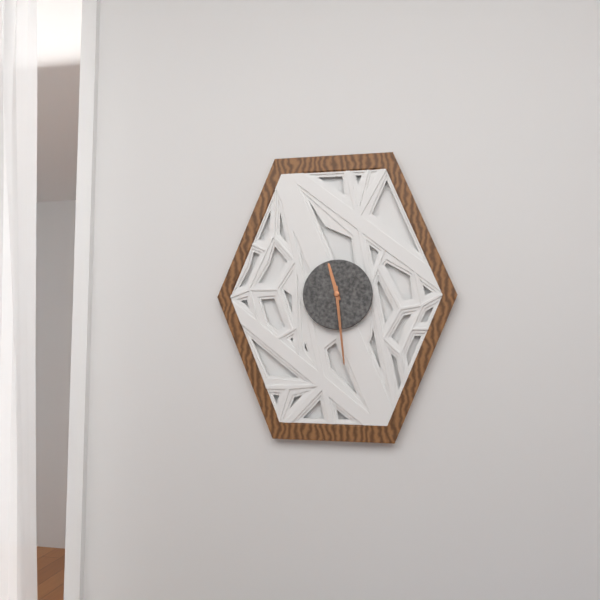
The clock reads **11:29**
